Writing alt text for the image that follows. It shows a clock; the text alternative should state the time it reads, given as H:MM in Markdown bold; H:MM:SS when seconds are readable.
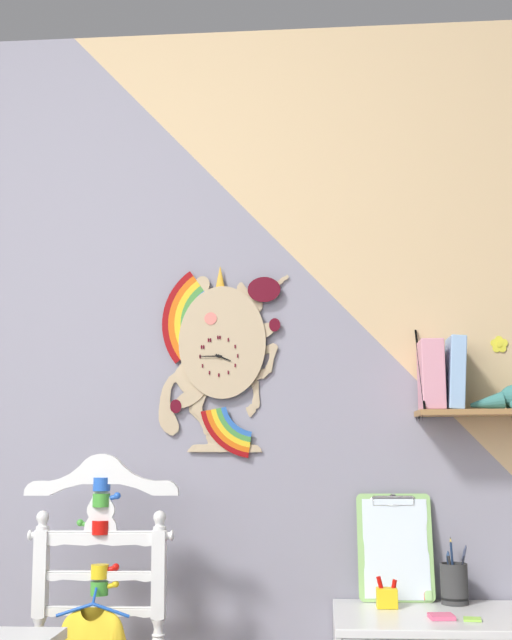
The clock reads **3:45**
